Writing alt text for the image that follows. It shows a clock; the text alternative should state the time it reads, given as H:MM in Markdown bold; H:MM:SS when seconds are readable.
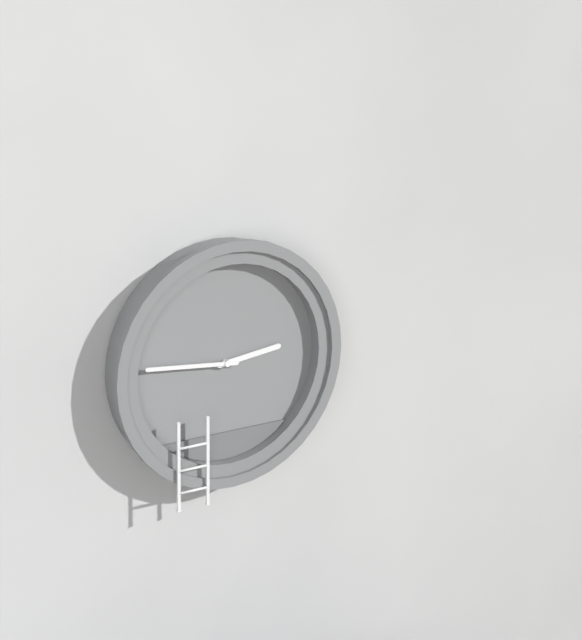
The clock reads **2:46**
